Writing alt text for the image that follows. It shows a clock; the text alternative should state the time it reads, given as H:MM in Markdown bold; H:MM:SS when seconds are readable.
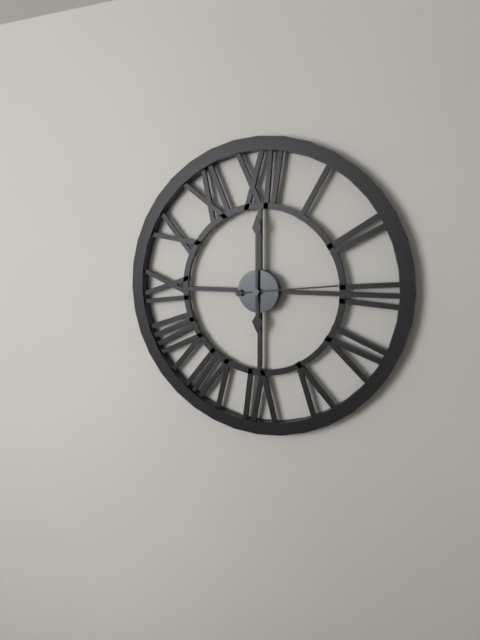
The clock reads **6:00:14**
